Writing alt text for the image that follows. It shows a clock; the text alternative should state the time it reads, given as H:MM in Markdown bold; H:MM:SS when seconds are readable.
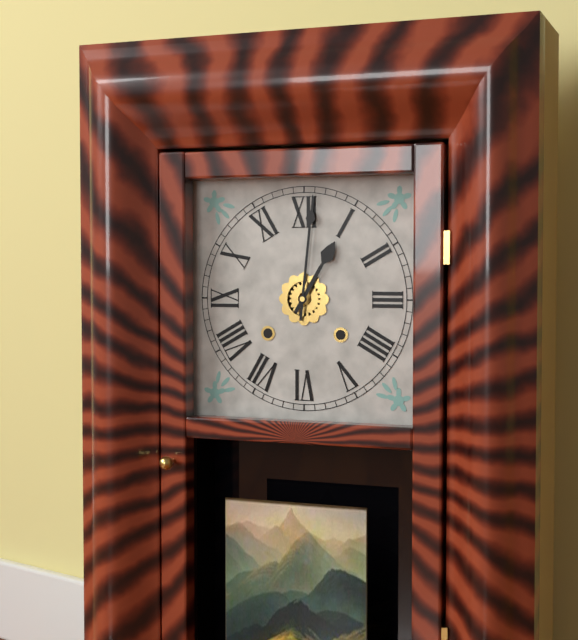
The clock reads **1:01**
